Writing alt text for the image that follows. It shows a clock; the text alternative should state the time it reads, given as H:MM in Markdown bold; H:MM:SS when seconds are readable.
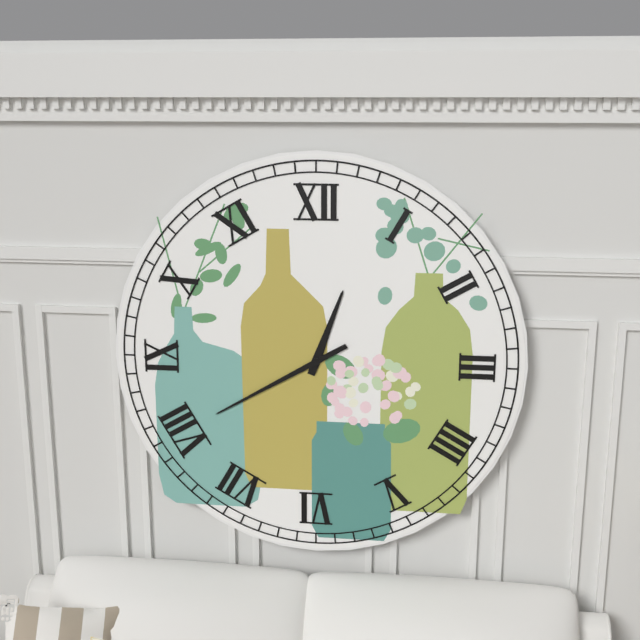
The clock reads **12:40**
